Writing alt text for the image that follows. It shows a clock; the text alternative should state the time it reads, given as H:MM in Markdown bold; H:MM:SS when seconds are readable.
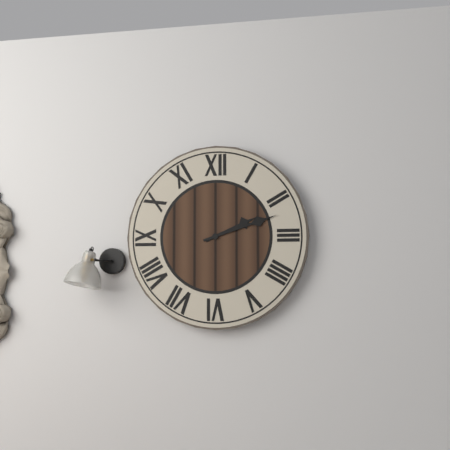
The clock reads **2:12**
